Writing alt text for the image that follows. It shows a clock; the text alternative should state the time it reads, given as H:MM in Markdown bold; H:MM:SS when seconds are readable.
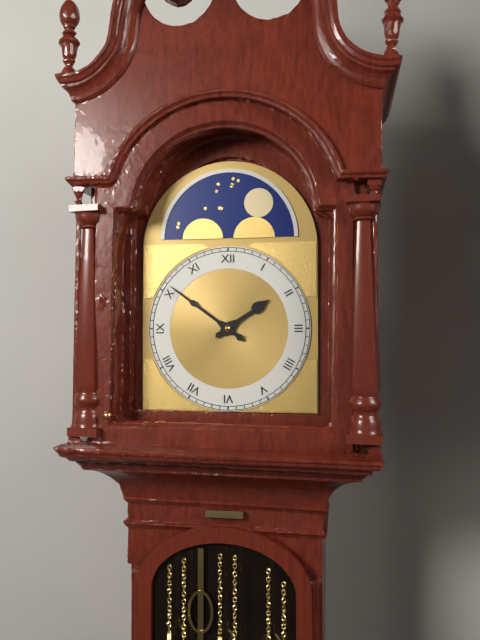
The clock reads **1:51**
